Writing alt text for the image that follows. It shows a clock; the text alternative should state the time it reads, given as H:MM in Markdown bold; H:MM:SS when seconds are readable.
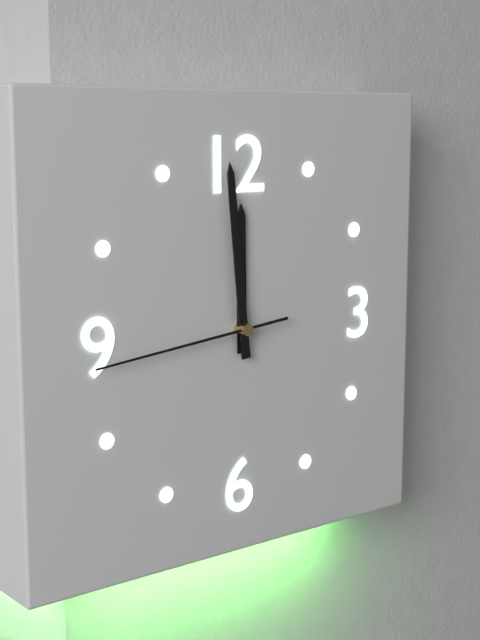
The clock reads **11:59:44**
